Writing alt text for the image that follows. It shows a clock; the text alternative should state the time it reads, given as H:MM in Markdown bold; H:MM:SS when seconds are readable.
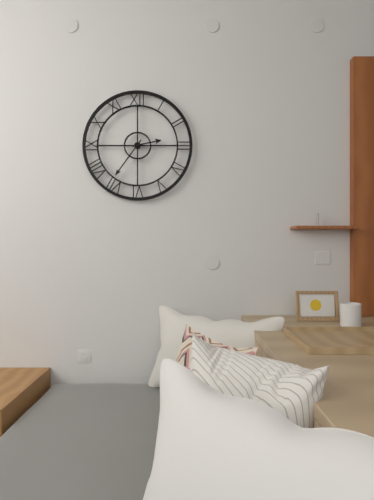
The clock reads **2:36**
